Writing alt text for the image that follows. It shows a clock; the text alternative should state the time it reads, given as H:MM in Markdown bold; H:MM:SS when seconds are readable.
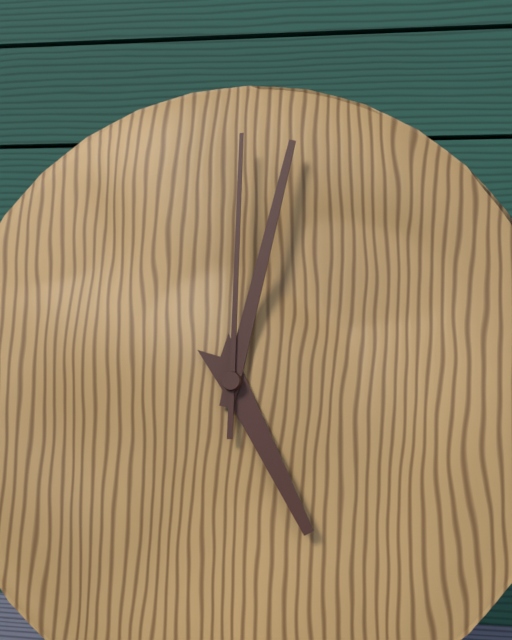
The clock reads **5:02:00**
